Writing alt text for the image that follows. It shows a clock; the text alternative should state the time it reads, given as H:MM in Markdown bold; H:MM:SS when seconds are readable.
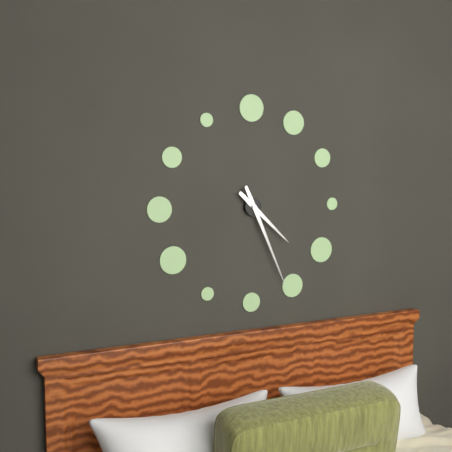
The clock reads **4:26**
